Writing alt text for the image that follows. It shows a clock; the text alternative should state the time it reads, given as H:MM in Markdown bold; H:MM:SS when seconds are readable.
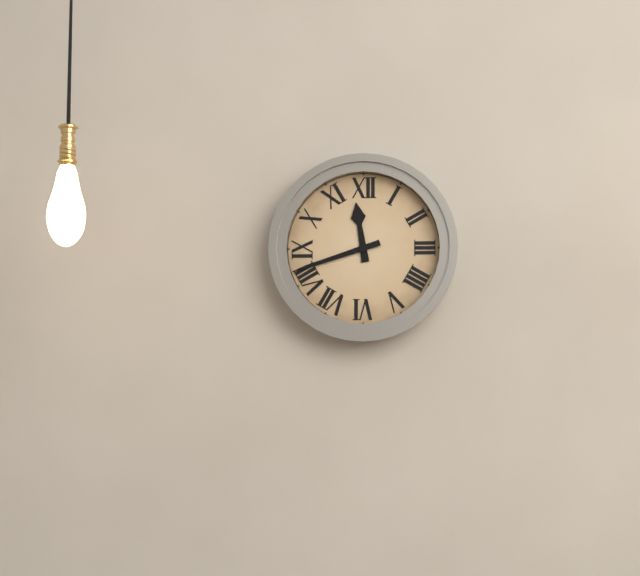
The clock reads **11:42**
